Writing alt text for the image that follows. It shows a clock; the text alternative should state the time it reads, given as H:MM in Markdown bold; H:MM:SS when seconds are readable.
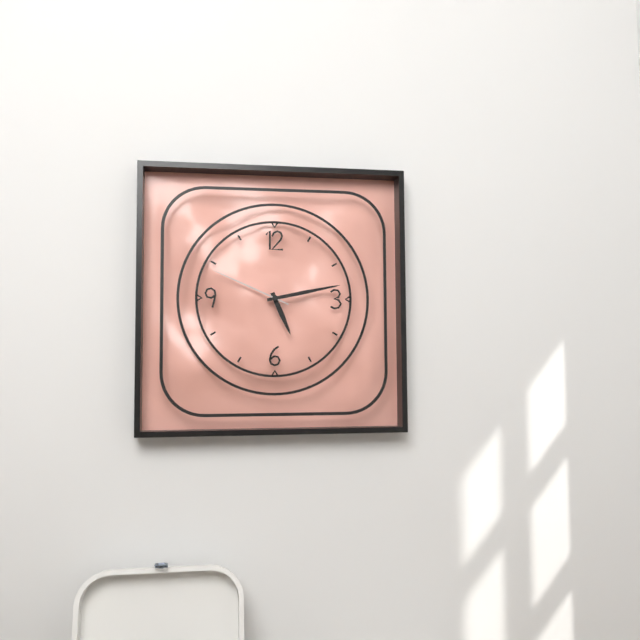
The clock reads **5:13:49**
